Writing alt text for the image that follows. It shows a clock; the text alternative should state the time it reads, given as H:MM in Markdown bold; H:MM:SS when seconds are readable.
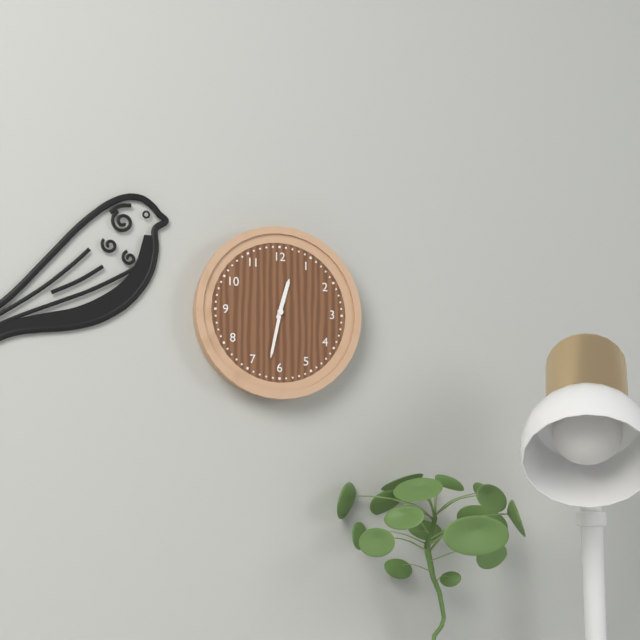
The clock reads **12:32**
